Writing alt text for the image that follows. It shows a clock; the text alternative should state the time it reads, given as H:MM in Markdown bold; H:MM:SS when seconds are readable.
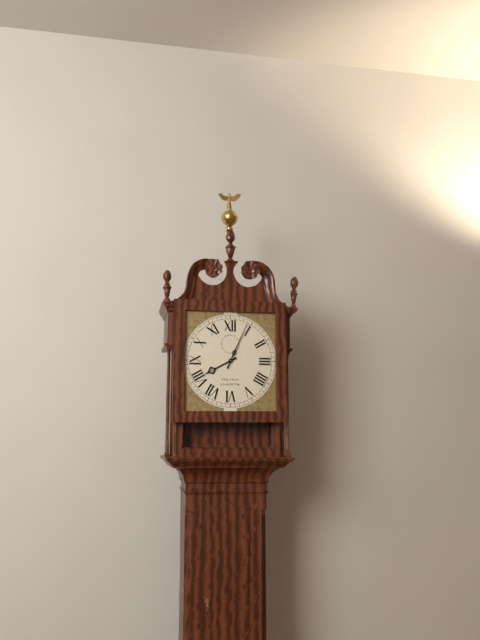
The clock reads **8:04**
